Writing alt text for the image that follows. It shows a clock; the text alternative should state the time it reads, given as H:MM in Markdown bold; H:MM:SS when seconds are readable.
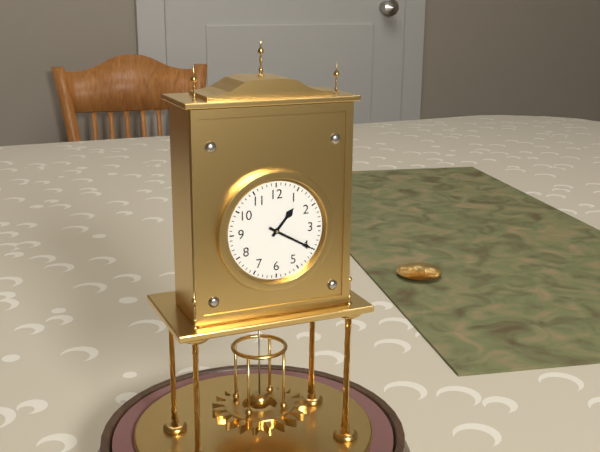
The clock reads **1:20**
